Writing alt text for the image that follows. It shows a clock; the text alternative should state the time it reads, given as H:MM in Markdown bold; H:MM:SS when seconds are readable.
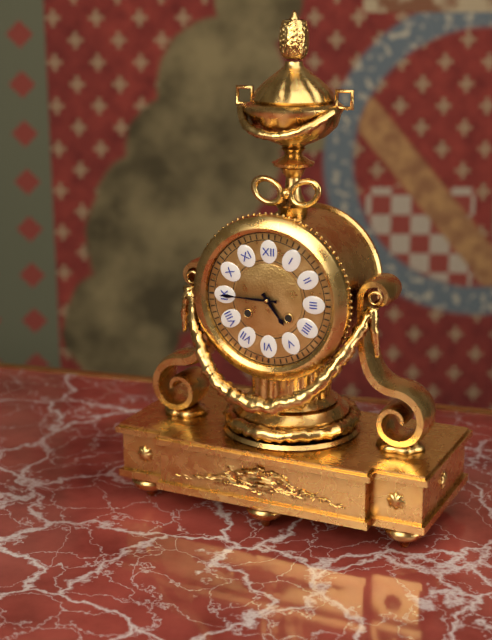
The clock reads **4:45**
